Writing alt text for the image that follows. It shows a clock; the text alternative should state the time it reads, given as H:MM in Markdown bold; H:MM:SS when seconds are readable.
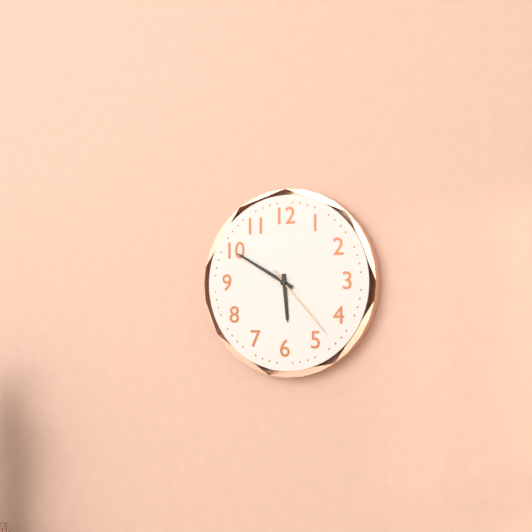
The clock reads **5:50:23**
